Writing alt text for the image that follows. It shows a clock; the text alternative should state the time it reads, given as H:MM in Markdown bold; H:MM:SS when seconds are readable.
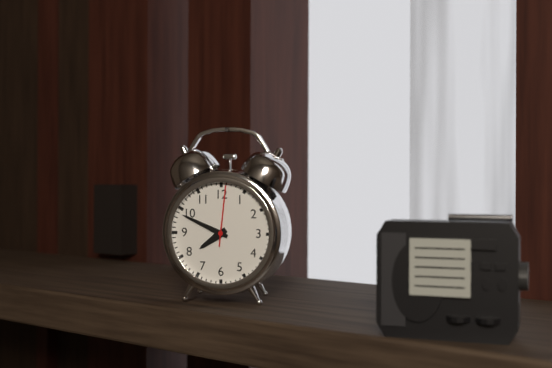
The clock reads **7:49:01**
